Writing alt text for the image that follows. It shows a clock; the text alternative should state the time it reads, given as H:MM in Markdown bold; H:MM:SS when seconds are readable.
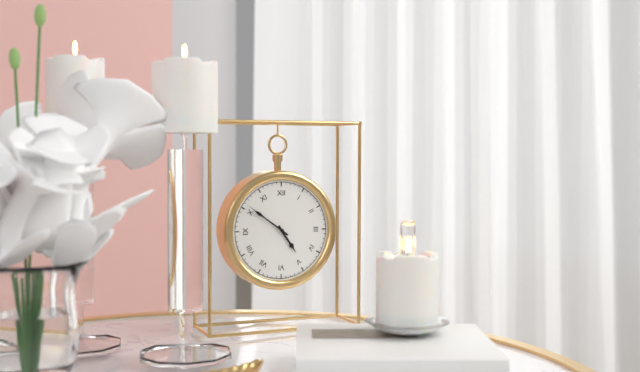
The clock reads **4:51**
